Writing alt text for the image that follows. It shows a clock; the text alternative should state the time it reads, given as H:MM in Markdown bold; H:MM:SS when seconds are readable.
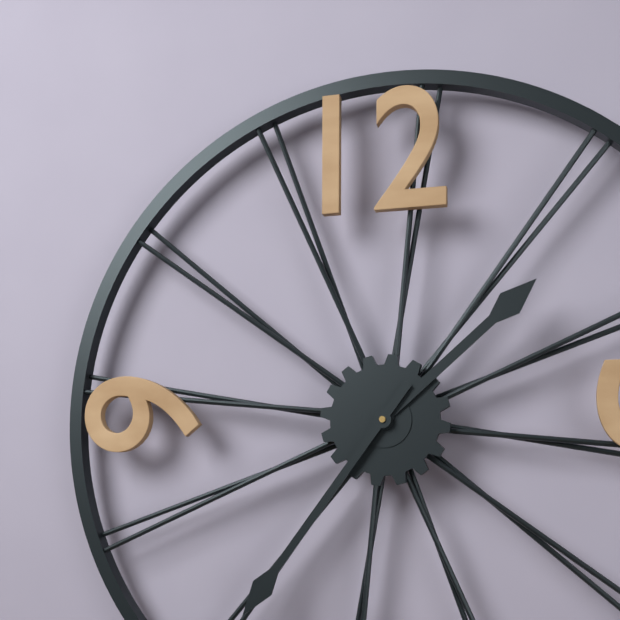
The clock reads **1:36**
